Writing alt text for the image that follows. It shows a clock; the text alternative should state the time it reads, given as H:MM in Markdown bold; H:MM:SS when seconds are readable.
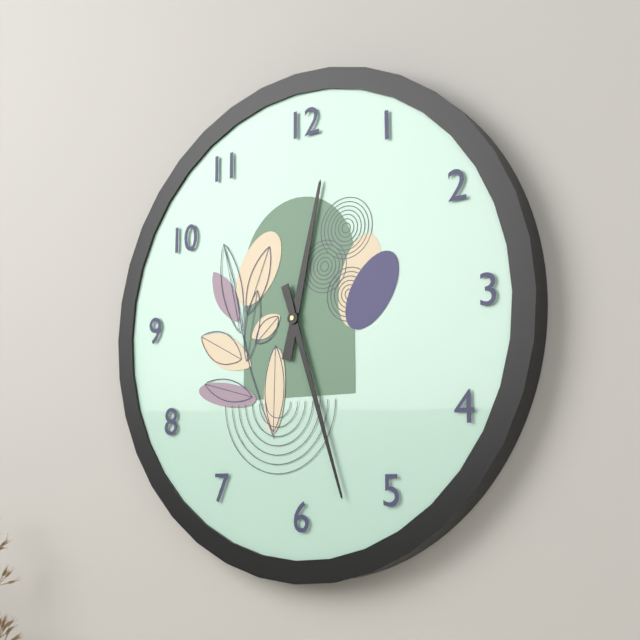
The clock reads **12:27**
